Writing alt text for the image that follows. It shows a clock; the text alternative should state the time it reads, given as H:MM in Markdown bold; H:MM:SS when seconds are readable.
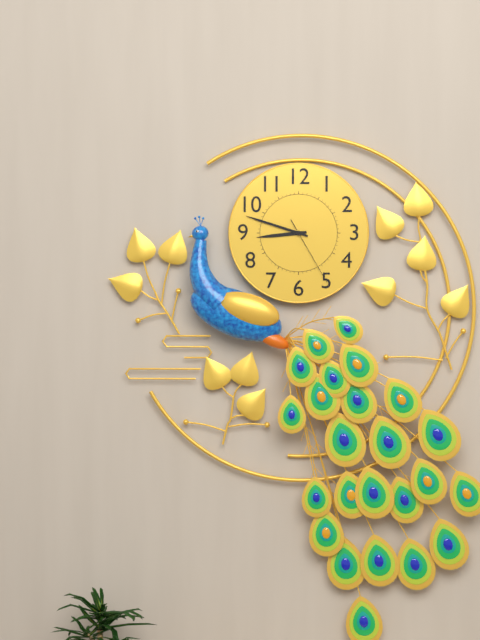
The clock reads **8:48:25**
